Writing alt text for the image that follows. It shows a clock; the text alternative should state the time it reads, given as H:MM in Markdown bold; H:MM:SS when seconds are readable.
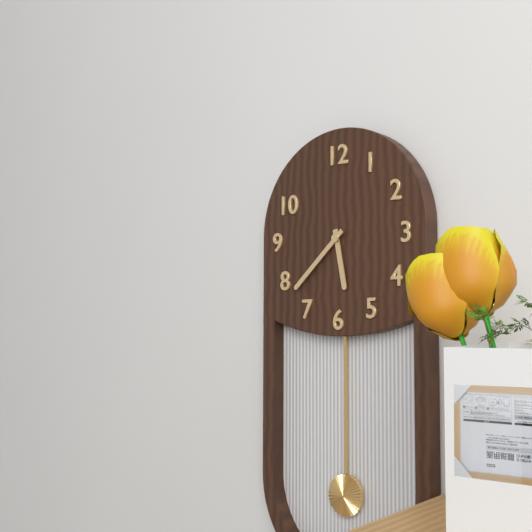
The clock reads **5:38**
